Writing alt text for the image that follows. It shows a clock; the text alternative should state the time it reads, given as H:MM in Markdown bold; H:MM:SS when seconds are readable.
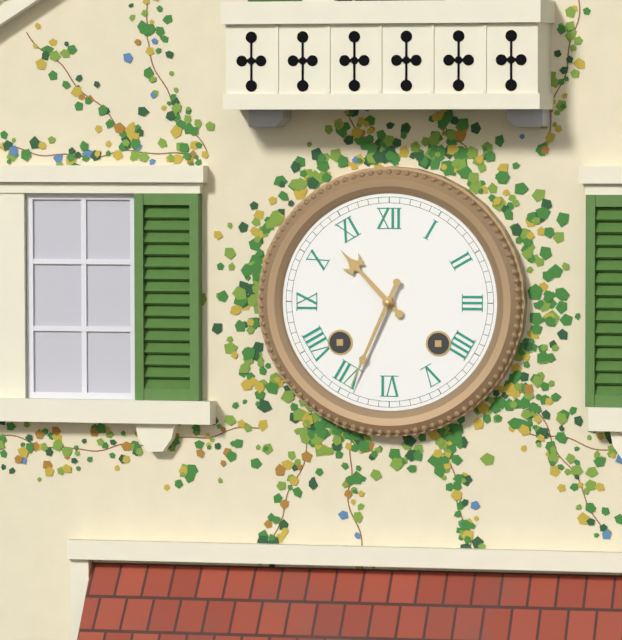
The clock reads **10:34**
